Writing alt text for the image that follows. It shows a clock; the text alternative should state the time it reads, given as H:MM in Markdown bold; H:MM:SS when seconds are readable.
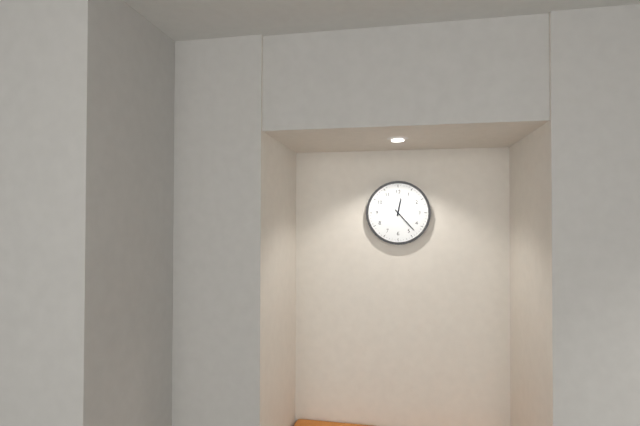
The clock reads **12:23**
